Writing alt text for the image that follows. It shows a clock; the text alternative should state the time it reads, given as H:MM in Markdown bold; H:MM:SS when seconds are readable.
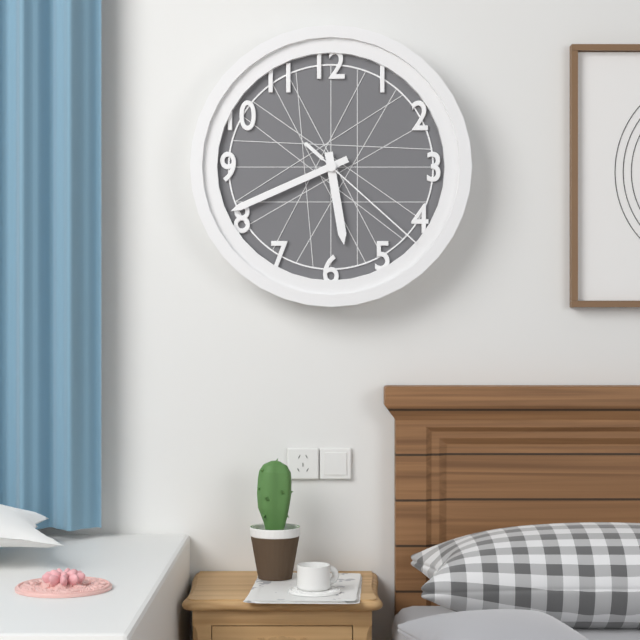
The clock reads **5:41:22**
